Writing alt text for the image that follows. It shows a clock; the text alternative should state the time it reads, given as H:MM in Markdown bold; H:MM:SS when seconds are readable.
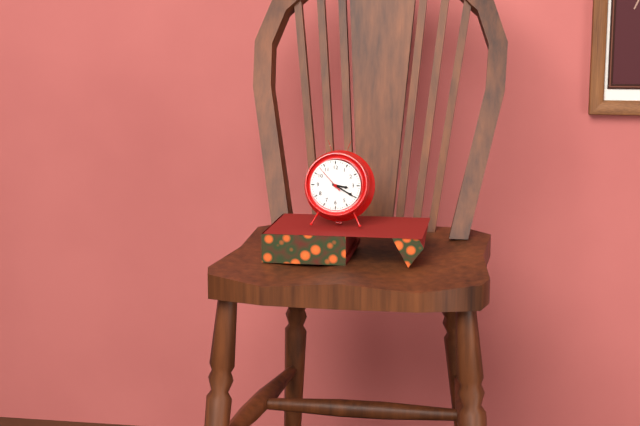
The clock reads **3:20**
